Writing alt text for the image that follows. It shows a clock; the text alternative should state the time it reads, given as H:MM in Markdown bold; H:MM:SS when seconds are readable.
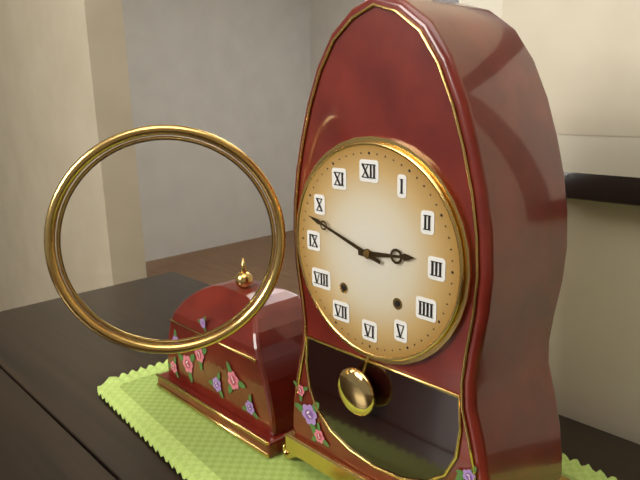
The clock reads **2:48**
